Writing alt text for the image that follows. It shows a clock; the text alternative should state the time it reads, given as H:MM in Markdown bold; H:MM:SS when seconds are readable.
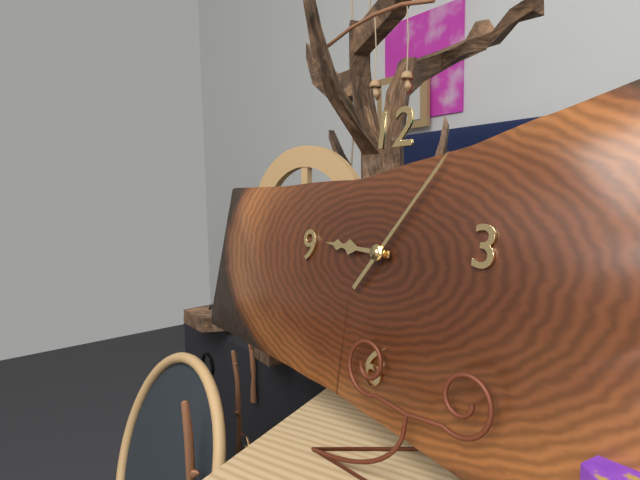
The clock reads **9:06**
